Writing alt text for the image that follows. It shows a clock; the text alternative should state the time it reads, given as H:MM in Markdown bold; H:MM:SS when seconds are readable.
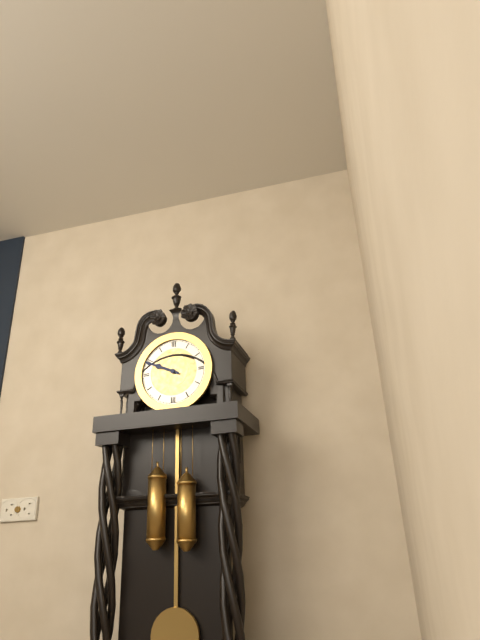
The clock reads **9:49**
